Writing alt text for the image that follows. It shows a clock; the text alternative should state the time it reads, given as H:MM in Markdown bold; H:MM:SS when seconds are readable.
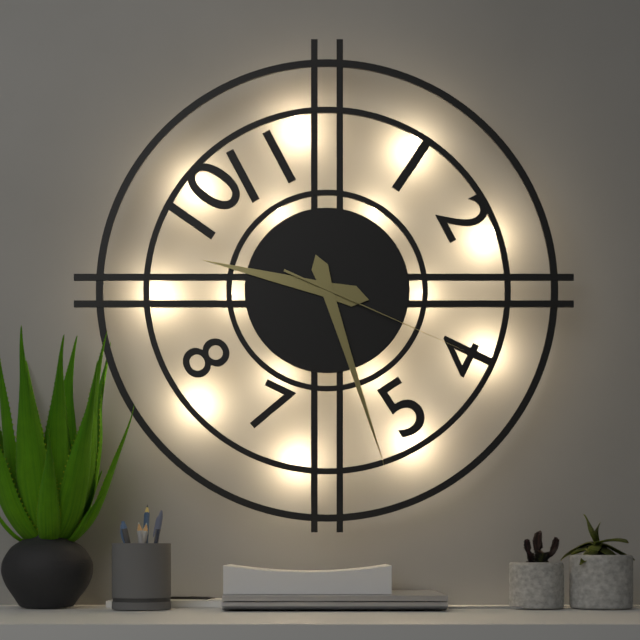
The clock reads **9:27:19**
